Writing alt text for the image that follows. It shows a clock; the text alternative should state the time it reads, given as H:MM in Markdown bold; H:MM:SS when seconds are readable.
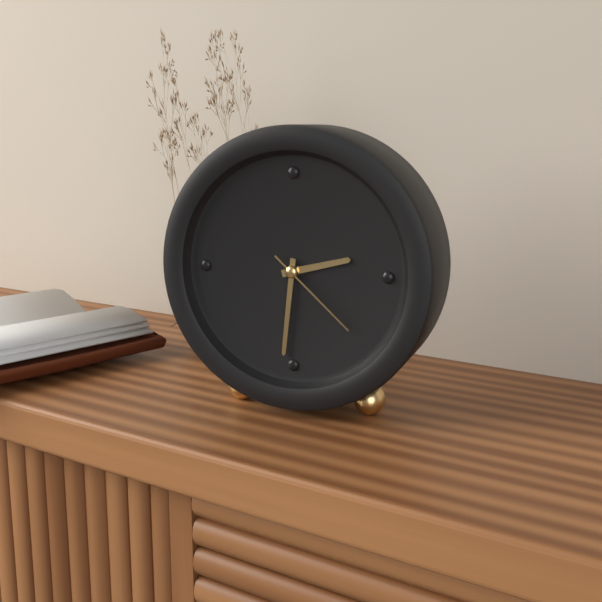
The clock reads **2:31:22**
